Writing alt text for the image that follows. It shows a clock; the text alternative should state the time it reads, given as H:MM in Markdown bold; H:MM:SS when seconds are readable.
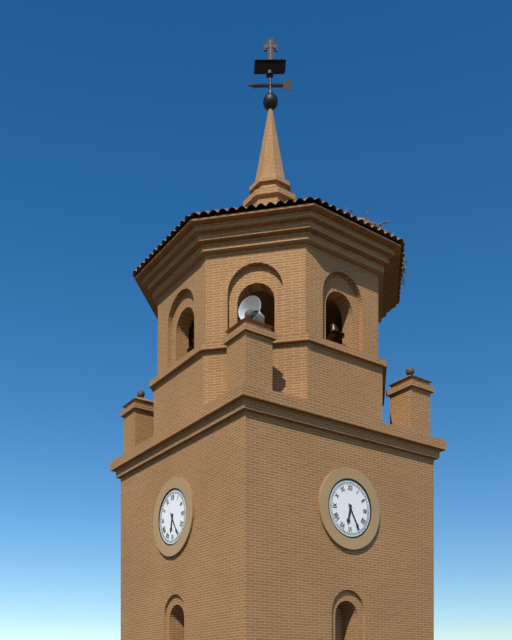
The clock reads **6:25**
